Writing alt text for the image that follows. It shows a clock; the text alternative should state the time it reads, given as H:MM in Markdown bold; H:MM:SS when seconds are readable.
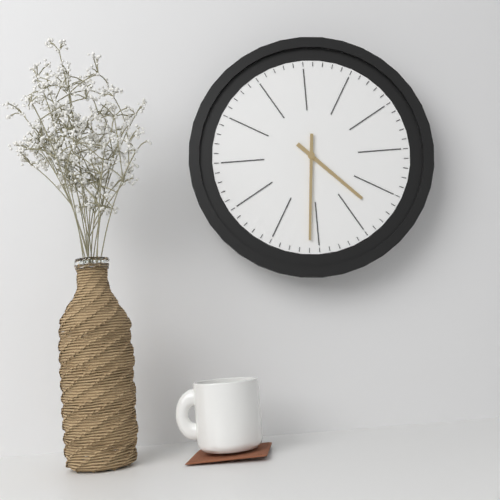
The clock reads **4:31**
